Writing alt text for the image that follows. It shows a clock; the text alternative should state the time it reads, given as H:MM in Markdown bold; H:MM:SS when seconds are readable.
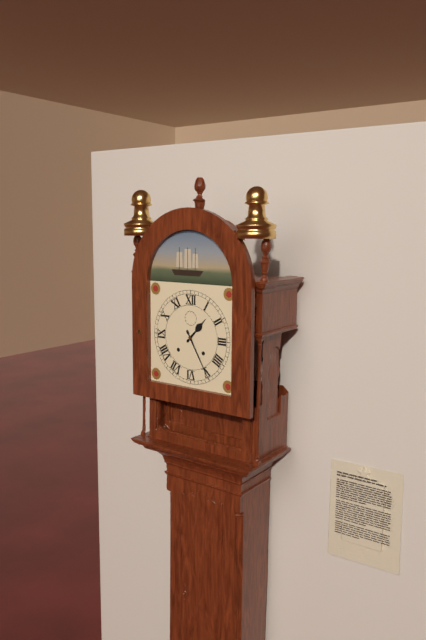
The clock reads **1:25**
